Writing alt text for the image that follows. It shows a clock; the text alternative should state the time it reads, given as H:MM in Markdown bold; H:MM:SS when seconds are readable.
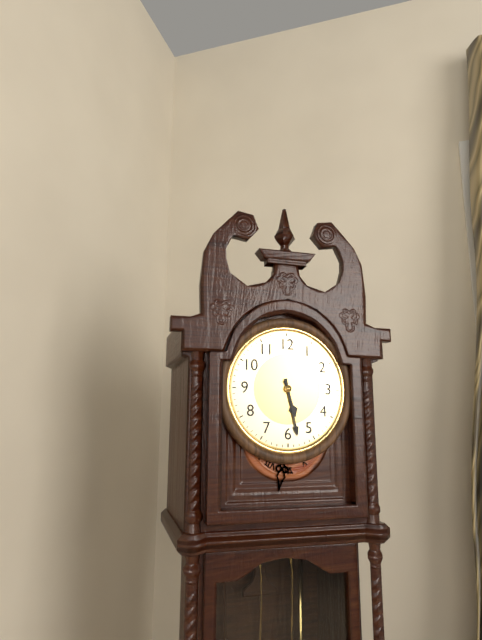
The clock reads **5:28**
